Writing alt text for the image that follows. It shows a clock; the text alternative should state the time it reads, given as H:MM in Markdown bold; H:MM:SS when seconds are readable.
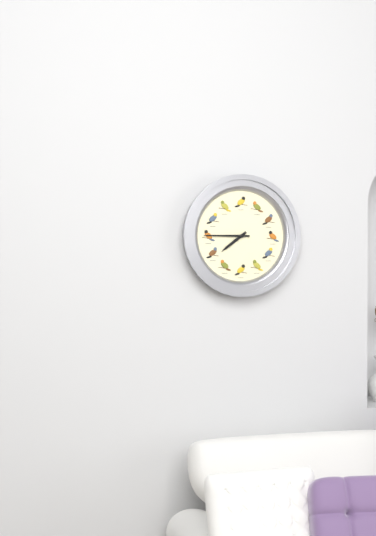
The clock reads **7:45**
